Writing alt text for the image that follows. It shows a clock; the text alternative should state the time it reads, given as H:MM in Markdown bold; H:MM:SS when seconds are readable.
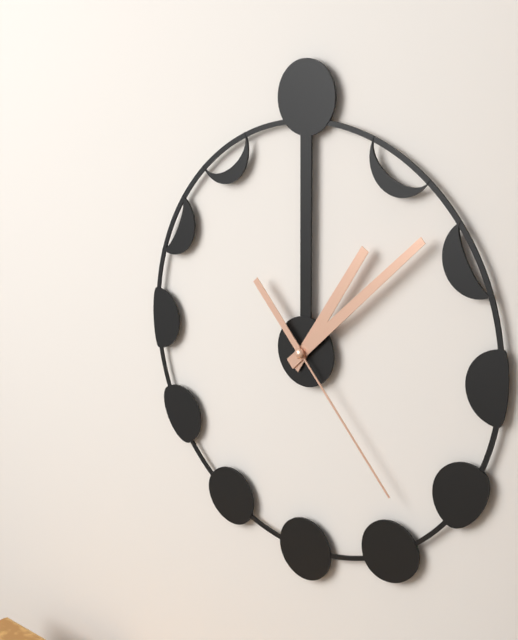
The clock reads **1:08:23**
